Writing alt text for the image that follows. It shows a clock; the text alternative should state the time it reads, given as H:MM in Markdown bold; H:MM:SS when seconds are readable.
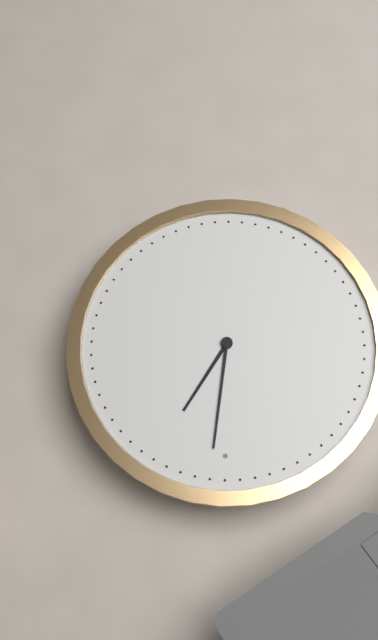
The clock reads **1:01**
